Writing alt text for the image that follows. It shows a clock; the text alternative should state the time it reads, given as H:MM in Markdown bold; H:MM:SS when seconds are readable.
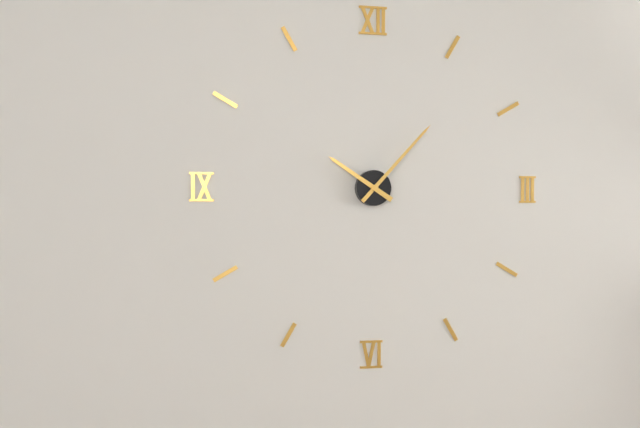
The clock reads **10:07**
